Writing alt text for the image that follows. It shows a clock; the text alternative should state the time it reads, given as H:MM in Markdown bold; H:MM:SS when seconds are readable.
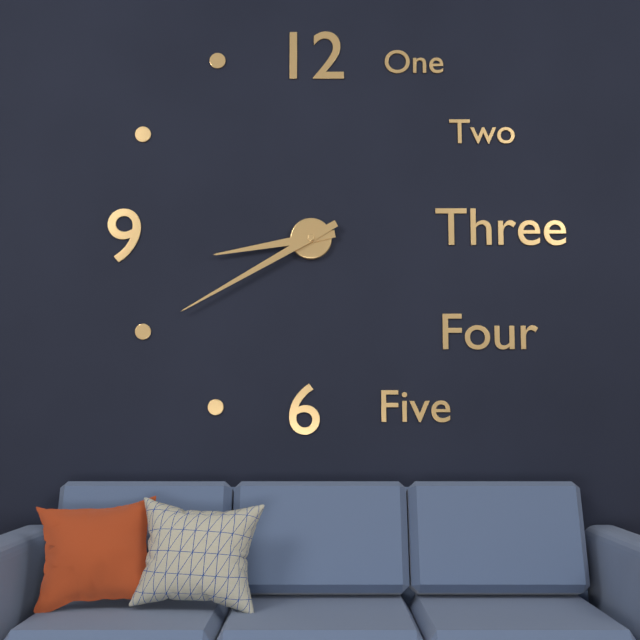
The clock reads **8:40**
